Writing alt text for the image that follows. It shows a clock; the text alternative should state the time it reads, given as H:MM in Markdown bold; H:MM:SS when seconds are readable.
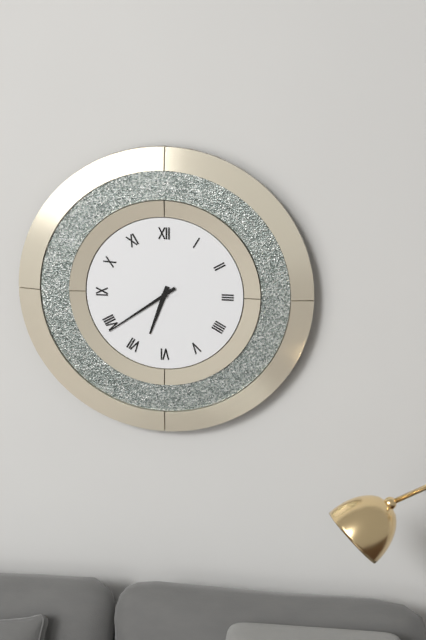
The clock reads **6:39**
